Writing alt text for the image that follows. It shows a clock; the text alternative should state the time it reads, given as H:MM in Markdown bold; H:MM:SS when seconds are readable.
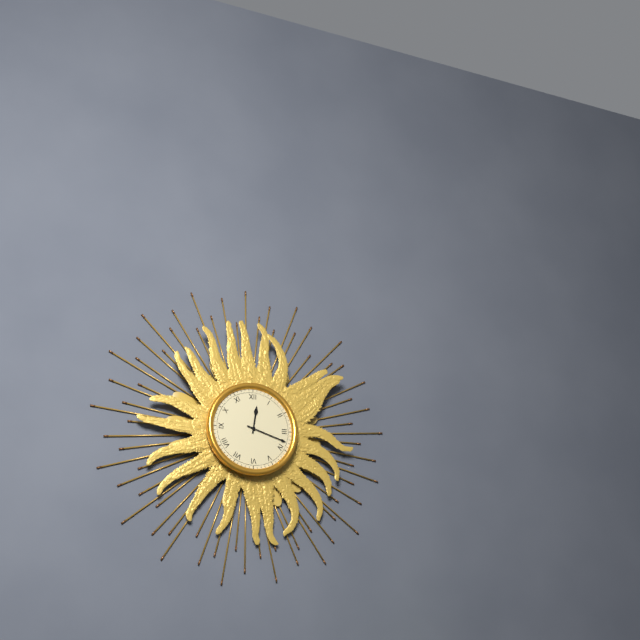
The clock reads **12:18**
